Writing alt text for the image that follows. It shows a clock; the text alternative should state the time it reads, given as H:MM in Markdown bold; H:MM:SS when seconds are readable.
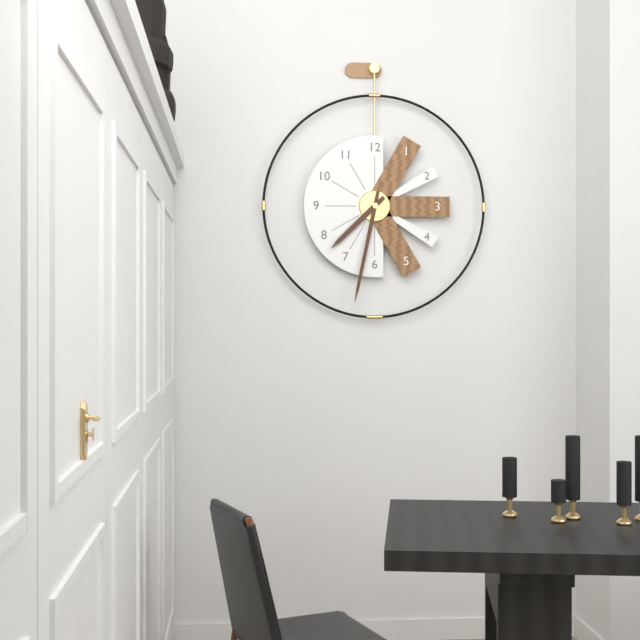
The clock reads **7:32**
